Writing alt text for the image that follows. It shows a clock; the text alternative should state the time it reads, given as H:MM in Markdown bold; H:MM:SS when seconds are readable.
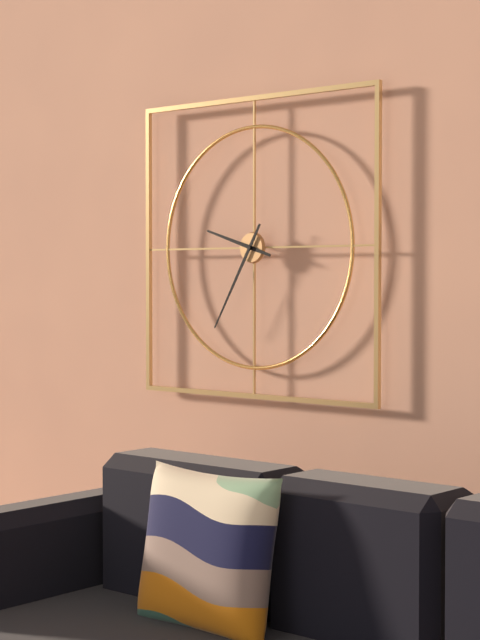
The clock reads **9:35**
